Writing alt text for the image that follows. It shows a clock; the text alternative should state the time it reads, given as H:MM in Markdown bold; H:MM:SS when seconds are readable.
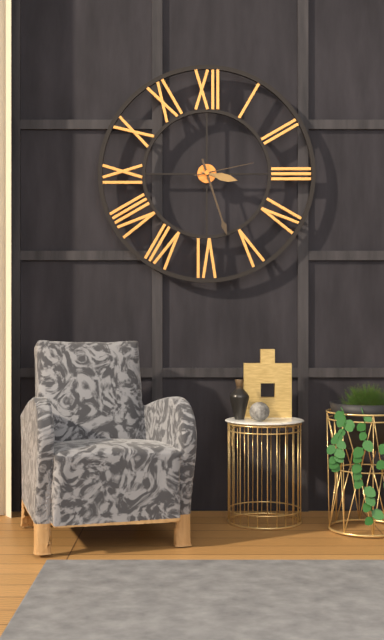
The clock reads **3:27:13**
